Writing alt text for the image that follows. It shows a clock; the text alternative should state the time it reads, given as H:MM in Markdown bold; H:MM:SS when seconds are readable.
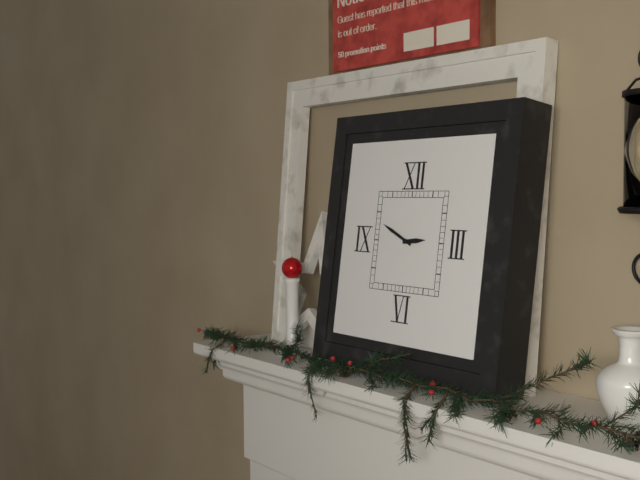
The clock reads **2:49**
